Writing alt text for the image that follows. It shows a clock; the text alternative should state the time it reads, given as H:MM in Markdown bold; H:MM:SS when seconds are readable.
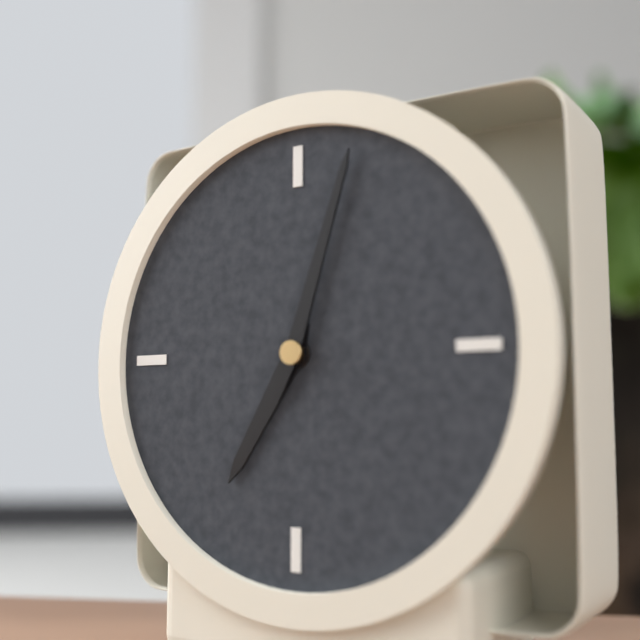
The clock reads **7:03**
